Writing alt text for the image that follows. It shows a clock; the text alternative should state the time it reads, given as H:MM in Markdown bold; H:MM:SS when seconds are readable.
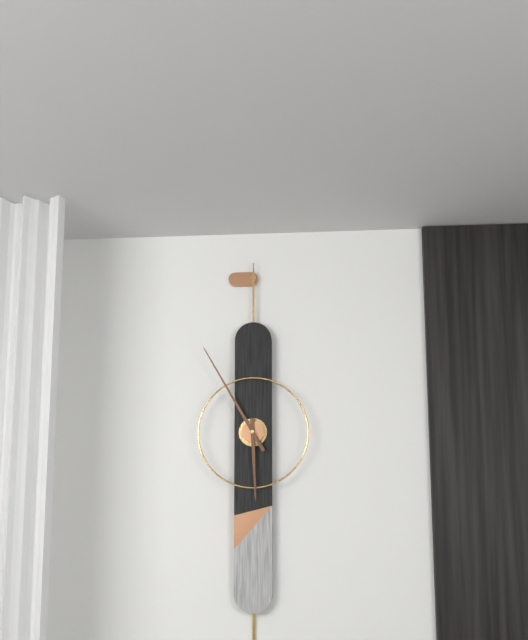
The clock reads **5:55**
